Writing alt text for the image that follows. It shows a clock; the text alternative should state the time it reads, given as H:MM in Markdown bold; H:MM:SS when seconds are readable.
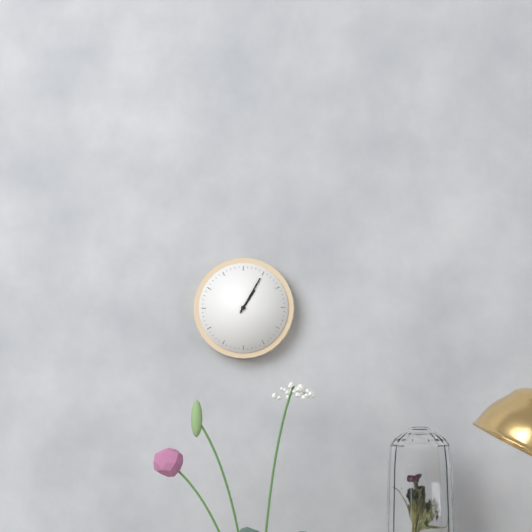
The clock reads **1:05**
